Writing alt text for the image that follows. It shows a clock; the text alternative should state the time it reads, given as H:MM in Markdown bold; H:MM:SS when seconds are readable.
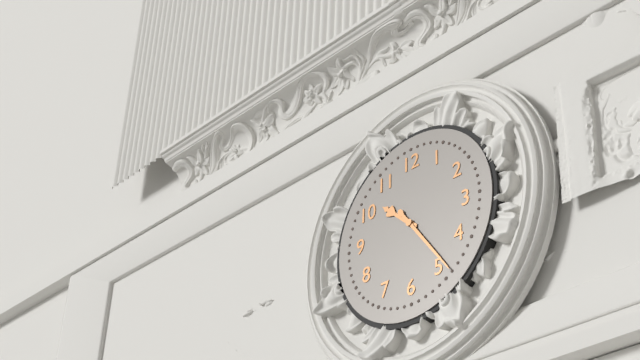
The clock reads **10:24**
